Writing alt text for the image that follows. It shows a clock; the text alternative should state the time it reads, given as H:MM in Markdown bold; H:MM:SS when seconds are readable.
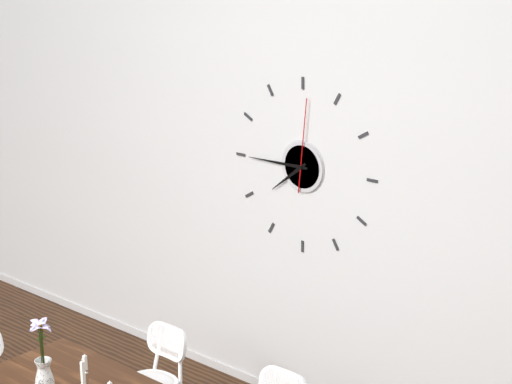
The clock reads **7:45:01**
